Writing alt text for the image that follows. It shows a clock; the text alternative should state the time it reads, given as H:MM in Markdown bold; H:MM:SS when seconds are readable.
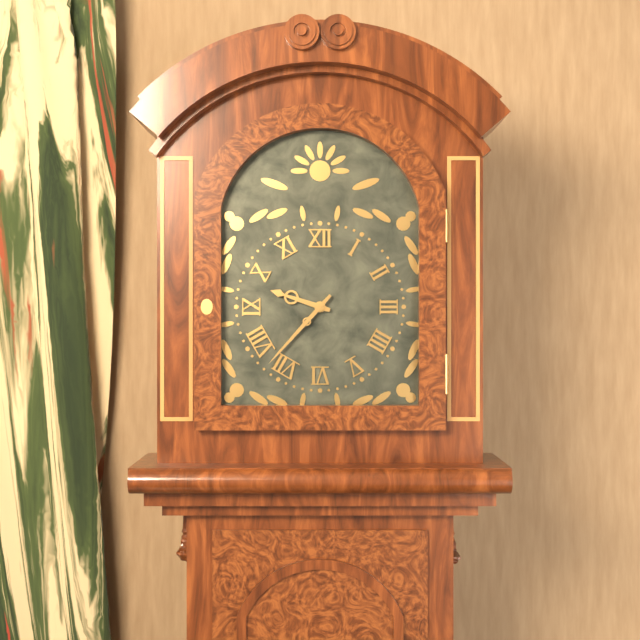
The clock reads **9:37**
